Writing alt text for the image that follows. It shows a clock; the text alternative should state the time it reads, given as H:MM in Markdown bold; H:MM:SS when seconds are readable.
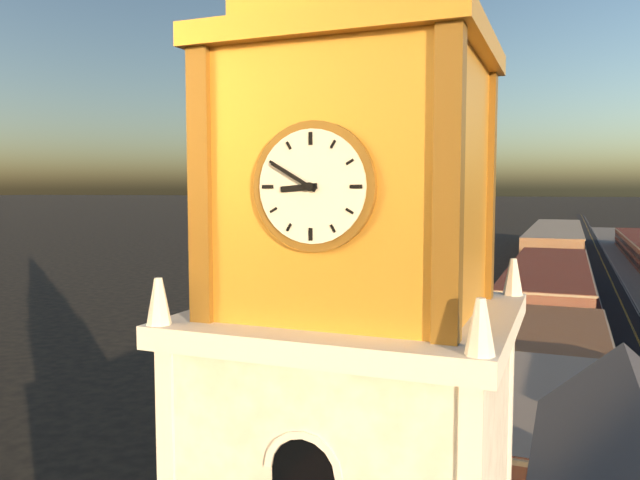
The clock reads **8:50**
